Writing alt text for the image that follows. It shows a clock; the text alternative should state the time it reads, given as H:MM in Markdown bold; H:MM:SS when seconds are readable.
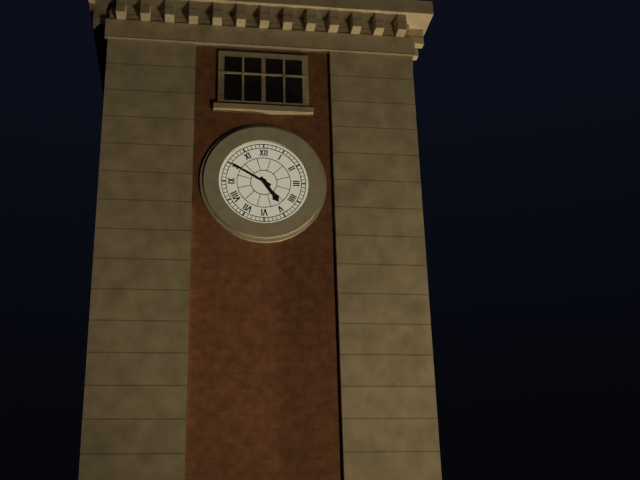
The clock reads **4:50**
